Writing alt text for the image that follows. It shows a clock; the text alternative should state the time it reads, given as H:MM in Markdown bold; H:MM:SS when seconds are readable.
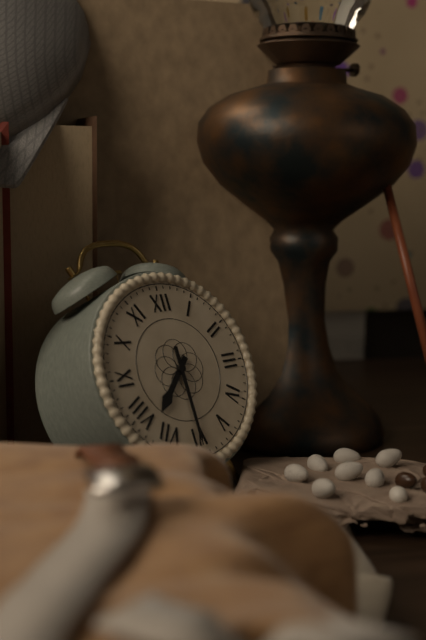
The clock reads **7:30**
